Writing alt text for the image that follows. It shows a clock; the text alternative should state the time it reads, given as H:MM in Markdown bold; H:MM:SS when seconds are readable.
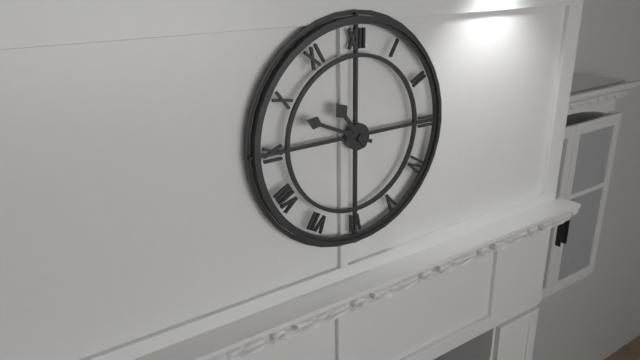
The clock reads **10:49**
